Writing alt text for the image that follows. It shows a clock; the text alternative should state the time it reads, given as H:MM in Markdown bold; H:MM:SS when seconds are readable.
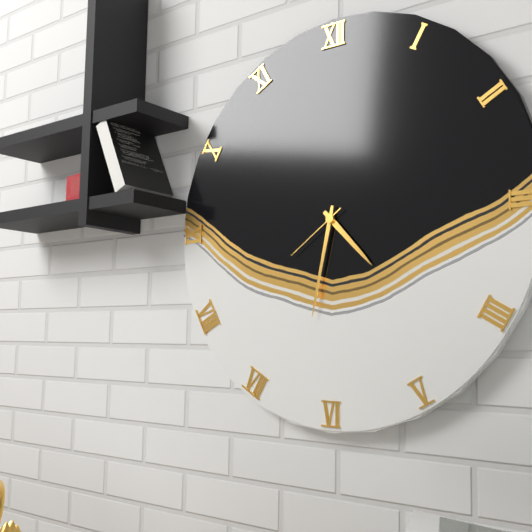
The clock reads **4:32:39**
